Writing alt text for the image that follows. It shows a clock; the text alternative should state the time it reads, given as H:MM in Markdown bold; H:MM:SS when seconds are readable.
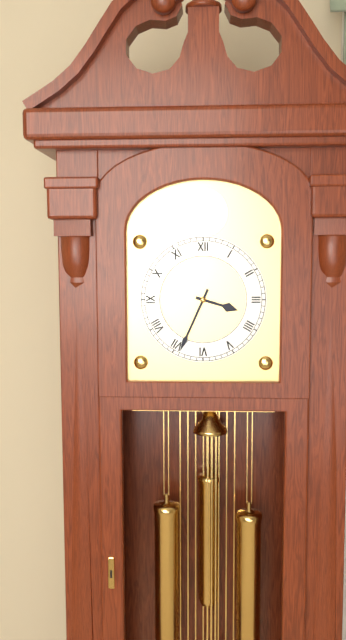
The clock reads **3:34**
